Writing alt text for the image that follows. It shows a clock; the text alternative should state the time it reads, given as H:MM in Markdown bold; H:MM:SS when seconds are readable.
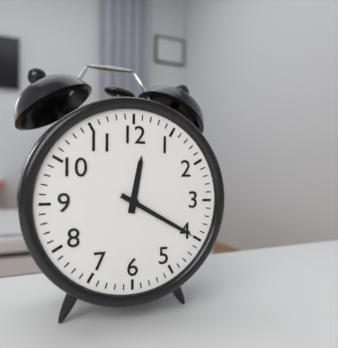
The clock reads **12:20**
